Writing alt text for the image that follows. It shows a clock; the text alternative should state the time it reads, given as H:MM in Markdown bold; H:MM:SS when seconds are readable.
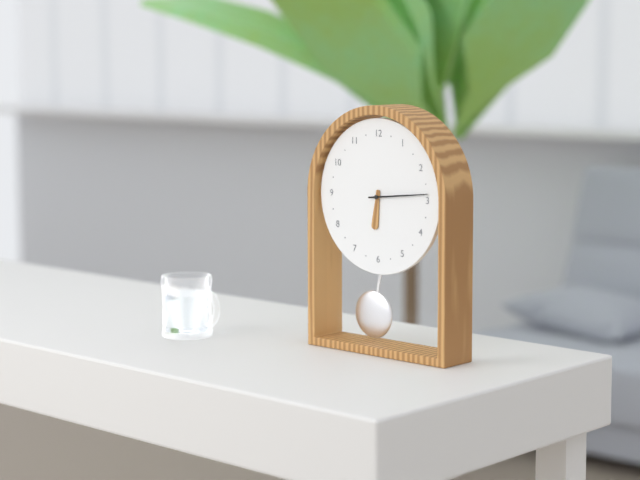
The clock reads **6:14**
